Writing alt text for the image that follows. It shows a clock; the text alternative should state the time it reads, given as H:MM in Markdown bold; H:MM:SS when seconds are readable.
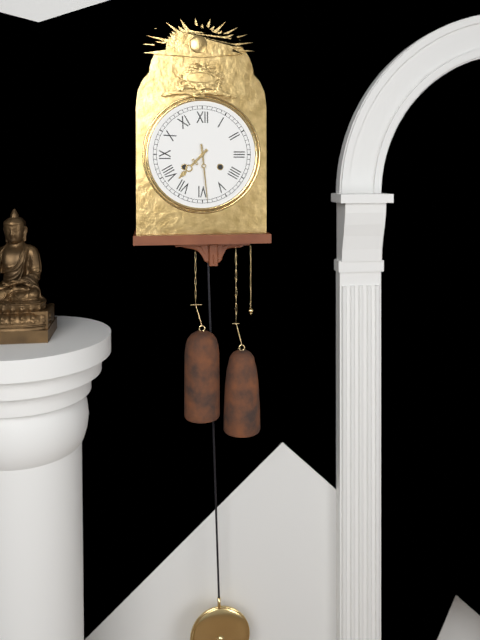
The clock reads **7:29**
